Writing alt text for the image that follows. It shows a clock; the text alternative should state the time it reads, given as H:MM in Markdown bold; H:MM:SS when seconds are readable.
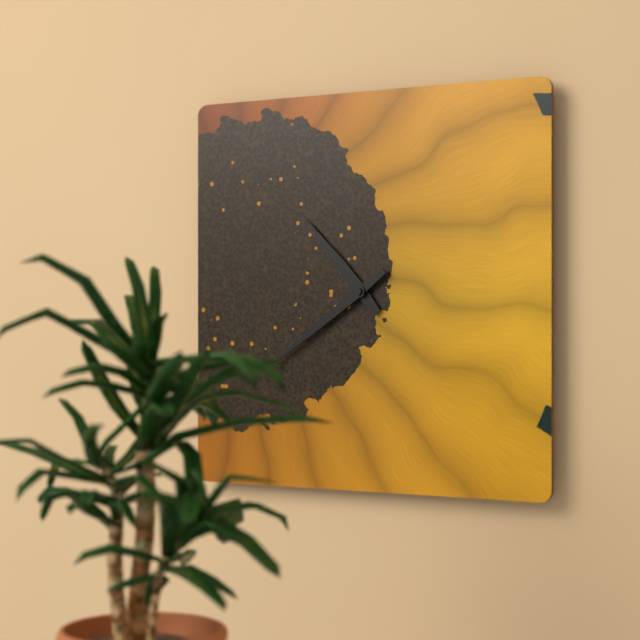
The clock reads **10:39**
